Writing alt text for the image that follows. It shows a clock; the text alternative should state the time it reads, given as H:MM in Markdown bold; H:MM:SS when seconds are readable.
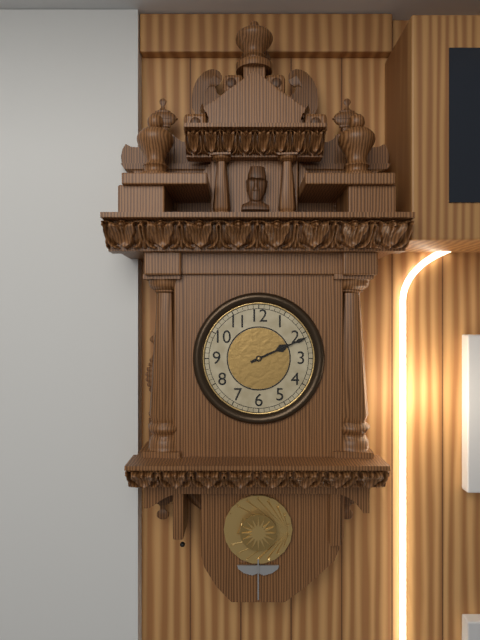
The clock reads **2:11**
